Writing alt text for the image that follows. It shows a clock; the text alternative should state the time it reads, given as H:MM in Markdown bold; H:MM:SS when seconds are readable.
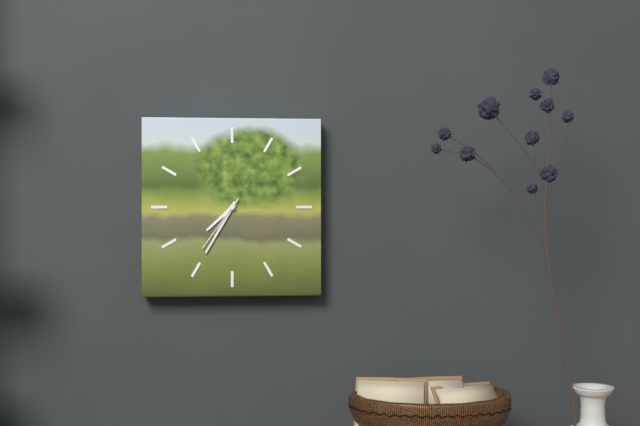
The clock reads **7:35:36**
